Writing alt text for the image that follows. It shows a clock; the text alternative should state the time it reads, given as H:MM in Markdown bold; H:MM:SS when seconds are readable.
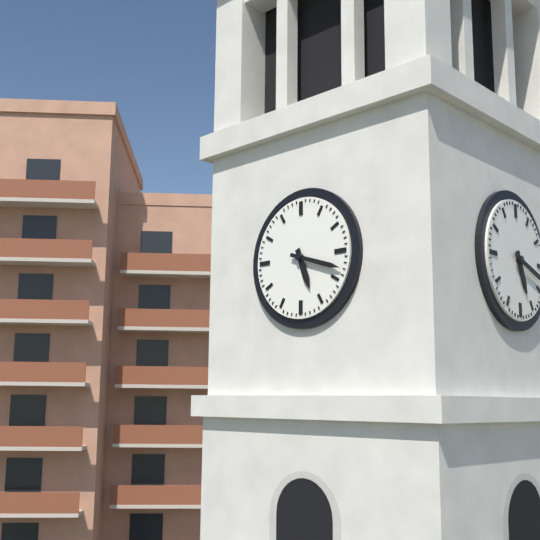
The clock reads **5:18**
